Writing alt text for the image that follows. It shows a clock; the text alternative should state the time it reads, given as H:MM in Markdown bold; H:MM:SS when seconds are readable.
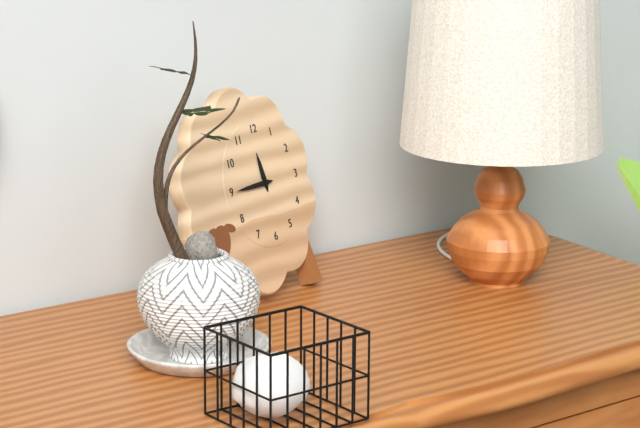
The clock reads **11:45**
